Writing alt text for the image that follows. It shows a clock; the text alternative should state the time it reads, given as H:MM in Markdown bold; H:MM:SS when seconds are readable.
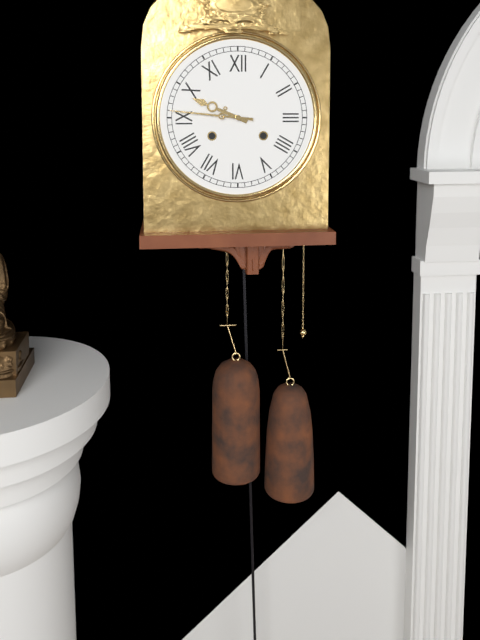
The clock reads **9:46**
